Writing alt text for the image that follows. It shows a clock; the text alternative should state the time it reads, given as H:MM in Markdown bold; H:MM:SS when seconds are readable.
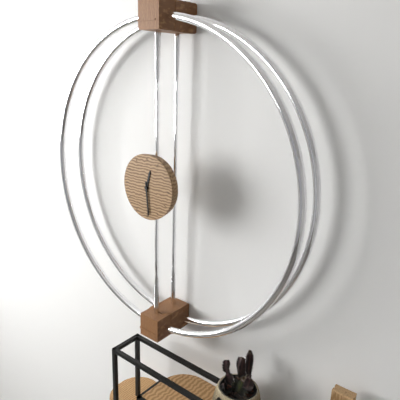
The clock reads **12:29**
